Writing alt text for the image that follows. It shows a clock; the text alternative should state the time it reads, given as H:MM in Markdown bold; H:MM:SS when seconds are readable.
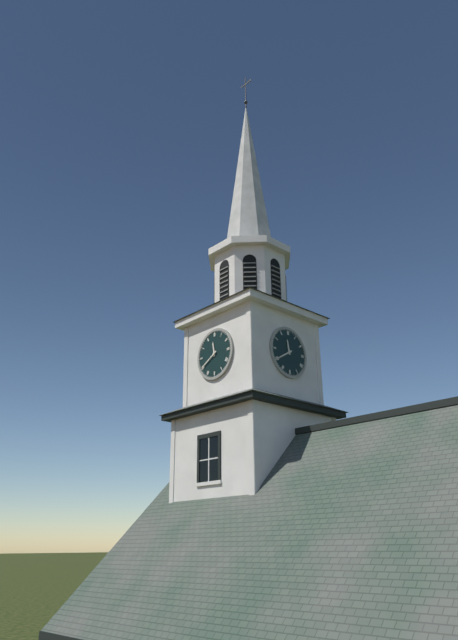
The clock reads **11:40**
